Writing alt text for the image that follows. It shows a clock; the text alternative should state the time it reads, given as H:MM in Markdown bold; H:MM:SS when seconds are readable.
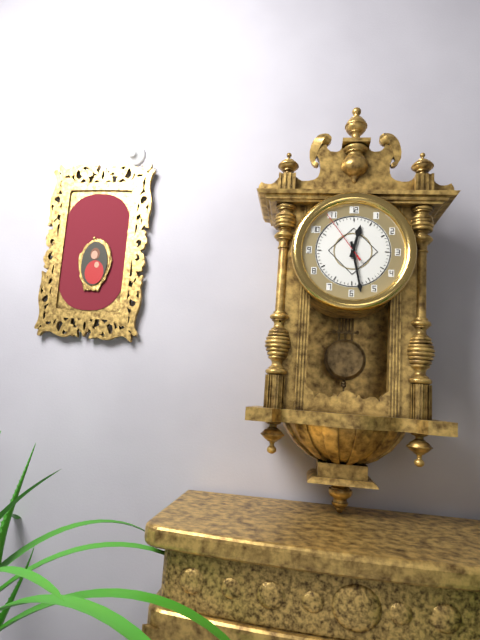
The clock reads **12:28:54**
